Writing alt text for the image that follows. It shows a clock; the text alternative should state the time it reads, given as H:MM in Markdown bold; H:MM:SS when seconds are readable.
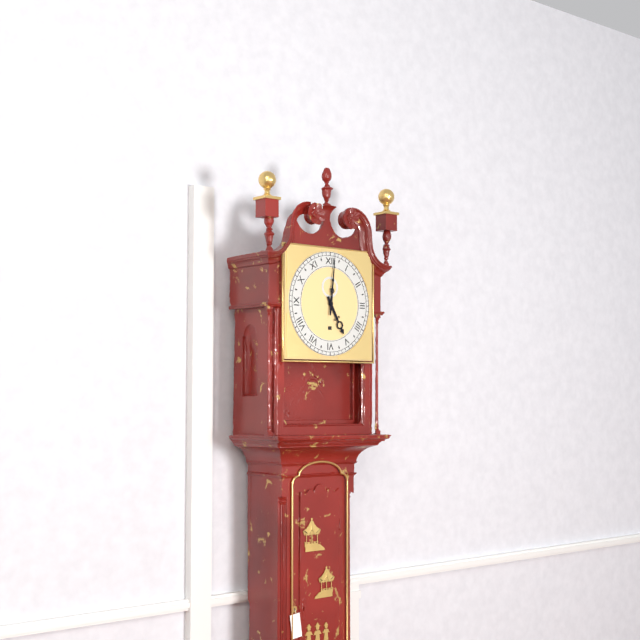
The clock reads **5:01**
